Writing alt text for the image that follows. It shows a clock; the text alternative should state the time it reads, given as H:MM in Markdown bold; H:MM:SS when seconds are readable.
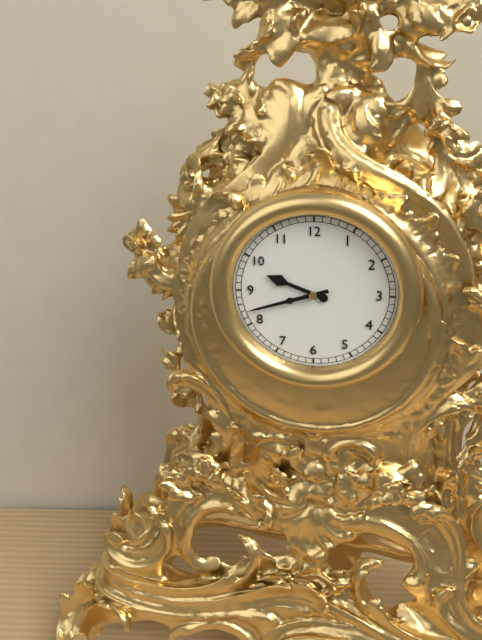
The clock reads **9:42**
